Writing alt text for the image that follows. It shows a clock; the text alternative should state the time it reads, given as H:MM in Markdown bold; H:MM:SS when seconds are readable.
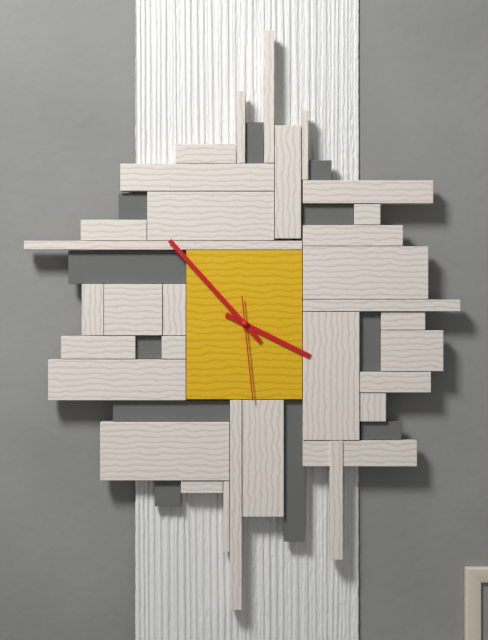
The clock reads **3:53:29**
